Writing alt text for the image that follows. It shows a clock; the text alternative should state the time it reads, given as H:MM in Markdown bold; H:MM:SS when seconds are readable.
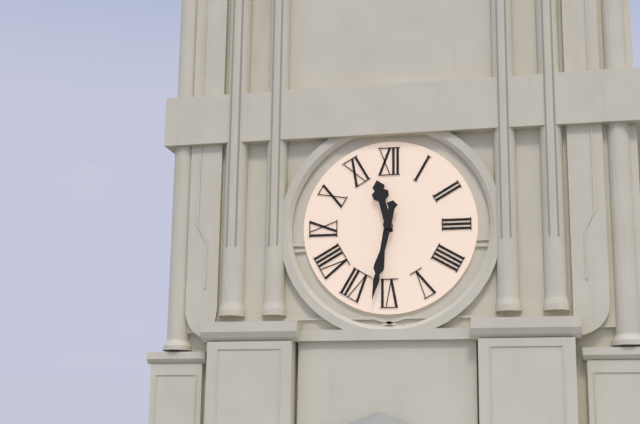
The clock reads **11:32**
